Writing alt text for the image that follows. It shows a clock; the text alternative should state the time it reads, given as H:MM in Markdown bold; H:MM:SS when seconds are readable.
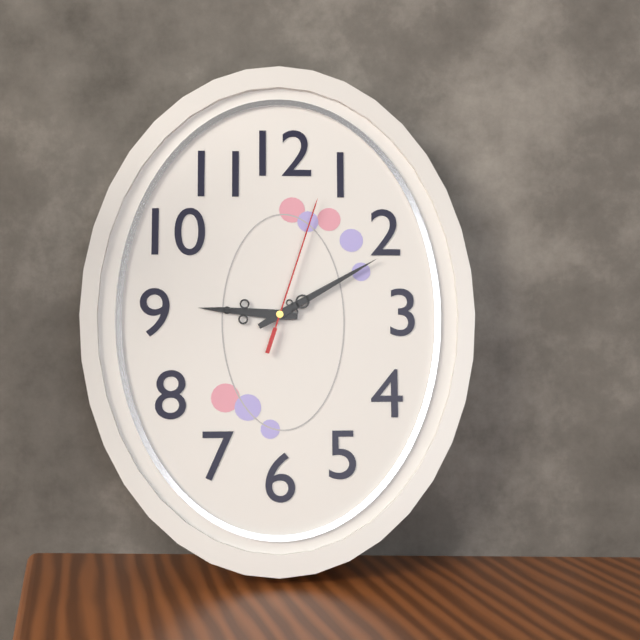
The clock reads **9:10:03**
